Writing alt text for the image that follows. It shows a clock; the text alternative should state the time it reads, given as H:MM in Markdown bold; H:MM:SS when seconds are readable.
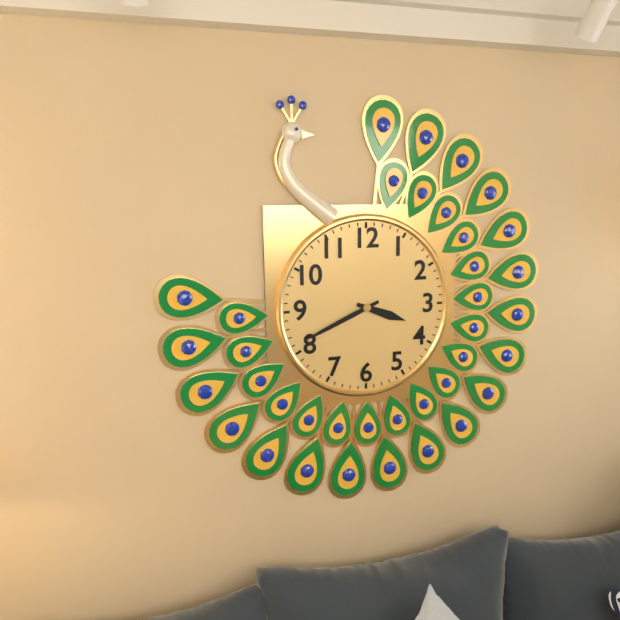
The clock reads **3:41**
